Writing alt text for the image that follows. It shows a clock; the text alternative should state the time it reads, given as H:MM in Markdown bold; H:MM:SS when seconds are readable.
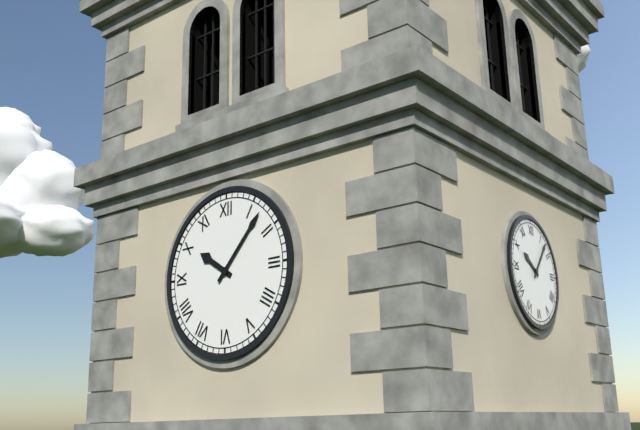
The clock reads **10:07**
